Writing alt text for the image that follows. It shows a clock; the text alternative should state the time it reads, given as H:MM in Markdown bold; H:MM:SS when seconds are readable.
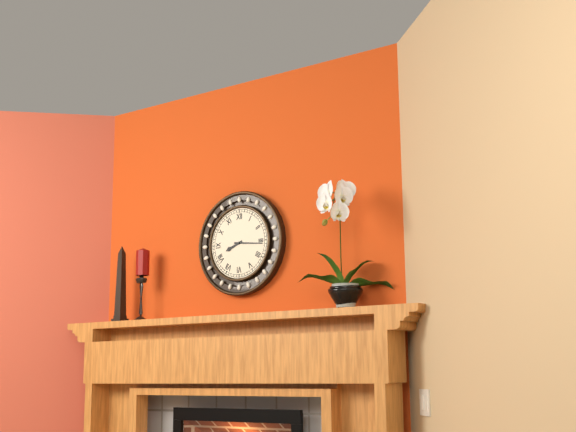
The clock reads **8:16**
